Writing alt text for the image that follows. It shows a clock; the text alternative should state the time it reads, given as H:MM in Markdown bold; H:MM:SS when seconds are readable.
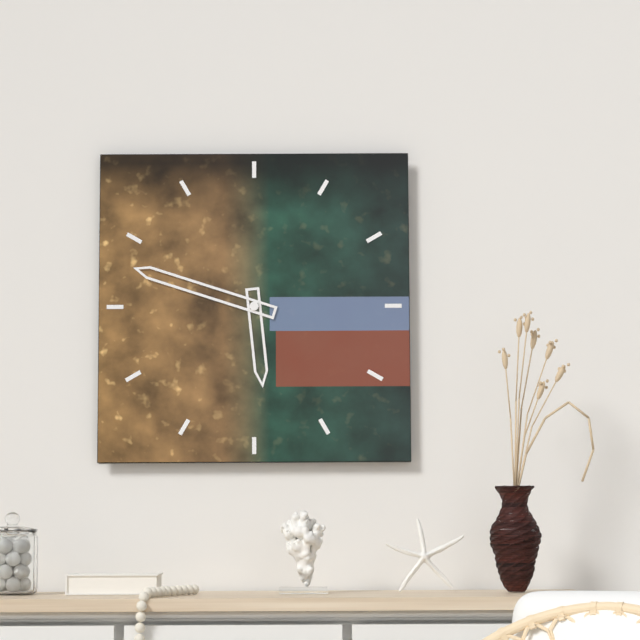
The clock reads **5:48**
